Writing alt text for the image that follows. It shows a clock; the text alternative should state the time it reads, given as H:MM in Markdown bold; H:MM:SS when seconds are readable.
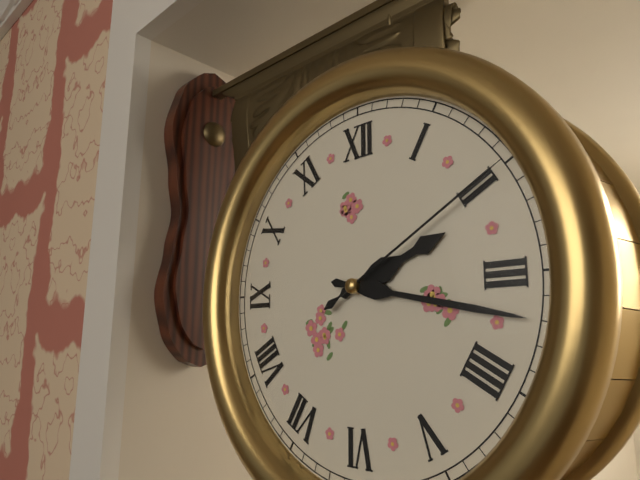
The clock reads **2:17:10**
